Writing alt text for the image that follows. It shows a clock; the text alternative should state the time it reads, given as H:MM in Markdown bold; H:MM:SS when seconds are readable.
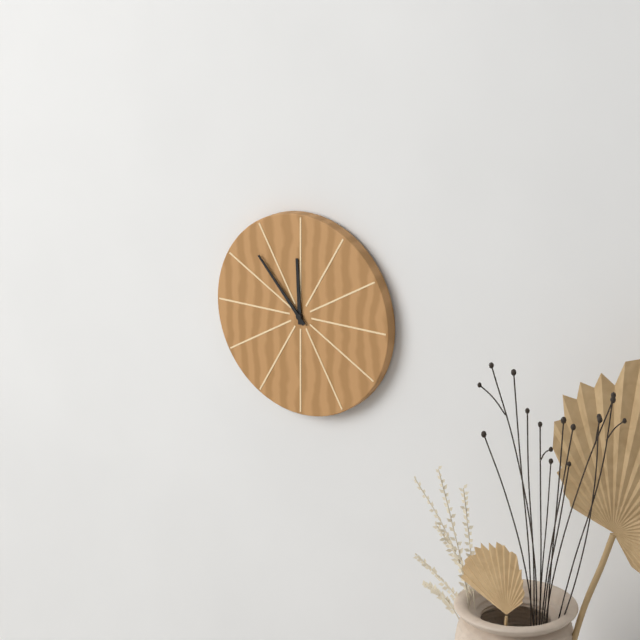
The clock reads **11:53**
